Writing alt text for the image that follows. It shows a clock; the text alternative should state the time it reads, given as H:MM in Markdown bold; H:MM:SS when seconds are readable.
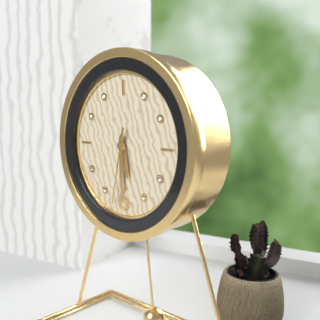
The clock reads **5:30:32**
